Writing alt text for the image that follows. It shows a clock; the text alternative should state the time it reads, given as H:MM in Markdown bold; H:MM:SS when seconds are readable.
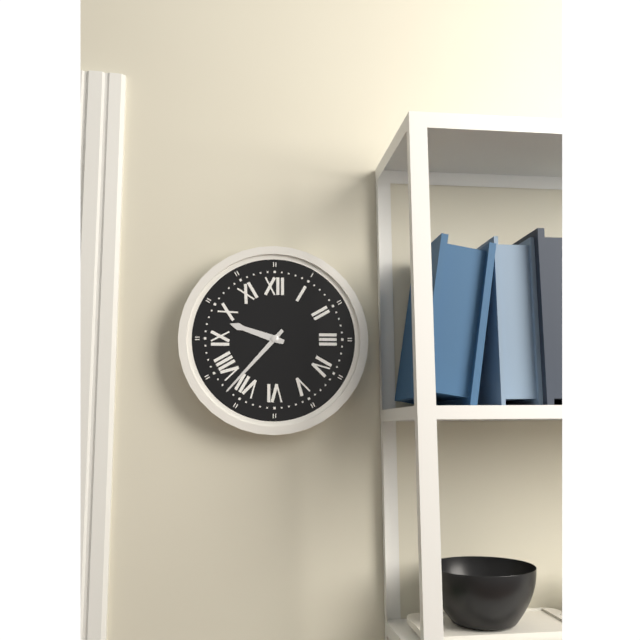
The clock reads **9:37**
